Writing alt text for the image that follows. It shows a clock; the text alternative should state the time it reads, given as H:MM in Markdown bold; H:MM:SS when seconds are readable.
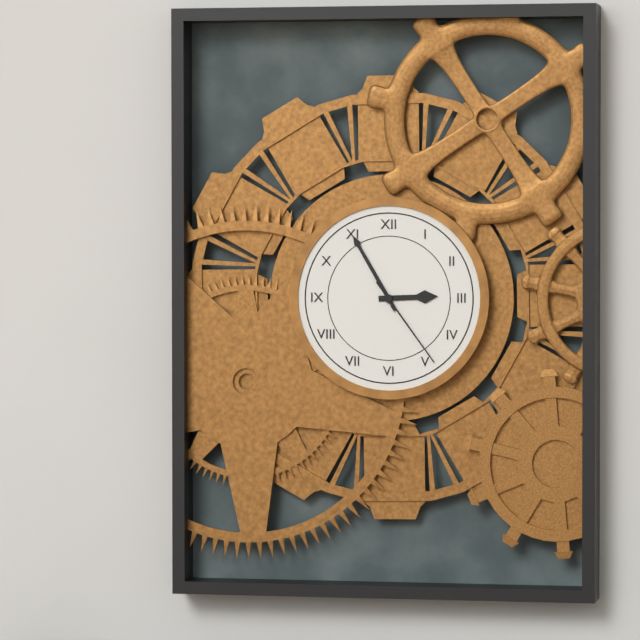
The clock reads **2:55:24**
